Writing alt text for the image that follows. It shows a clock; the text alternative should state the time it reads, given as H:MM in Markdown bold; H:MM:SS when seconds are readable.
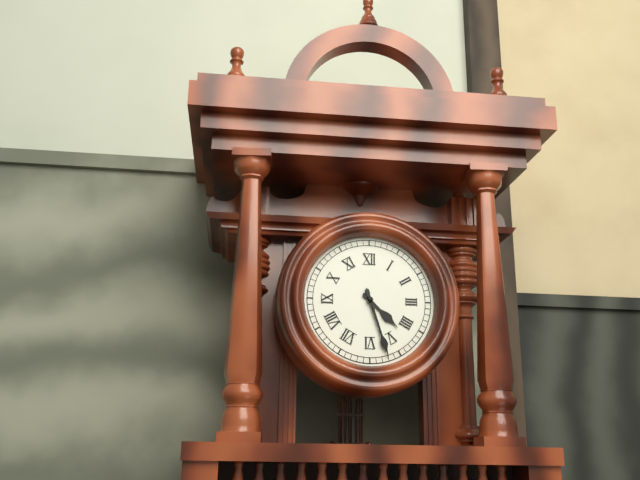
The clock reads **4:27**
